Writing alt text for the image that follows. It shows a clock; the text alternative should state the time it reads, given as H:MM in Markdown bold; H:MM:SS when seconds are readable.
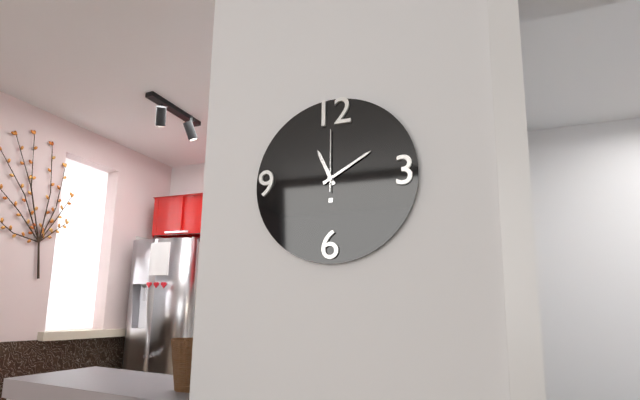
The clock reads **11:10:00**
